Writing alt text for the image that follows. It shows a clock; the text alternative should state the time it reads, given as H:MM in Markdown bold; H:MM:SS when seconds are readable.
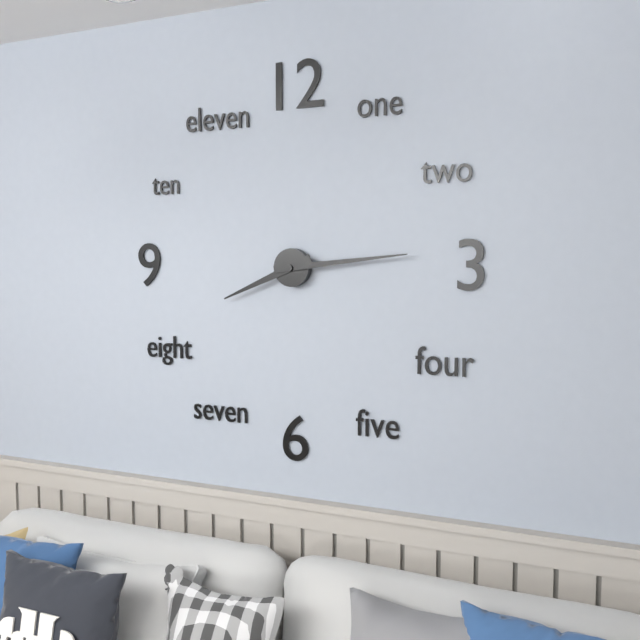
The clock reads **8:14**
